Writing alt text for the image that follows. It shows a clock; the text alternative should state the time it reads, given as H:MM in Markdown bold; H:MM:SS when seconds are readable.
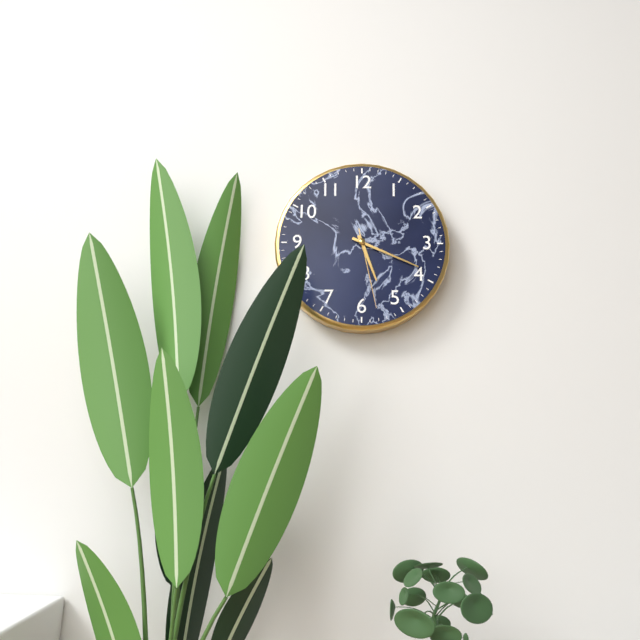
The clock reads **5:19:28**
